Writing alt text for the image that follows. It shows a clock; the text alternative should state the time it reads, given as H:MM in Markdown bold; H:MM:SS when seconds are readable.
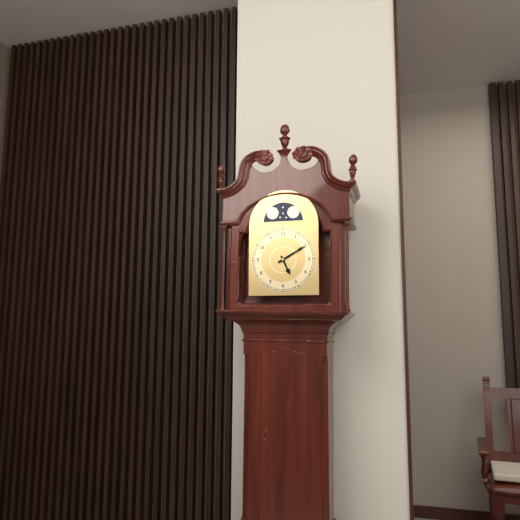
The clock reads **5:10**
